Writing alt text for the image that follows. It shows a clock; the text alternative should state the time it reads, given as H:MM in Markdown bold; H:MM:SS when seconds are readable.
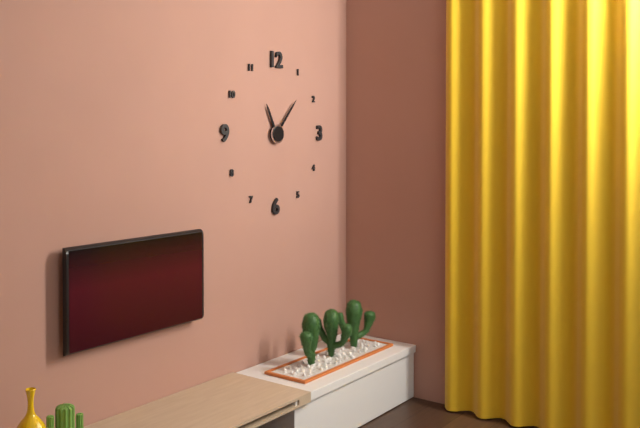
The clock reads **11:07**
